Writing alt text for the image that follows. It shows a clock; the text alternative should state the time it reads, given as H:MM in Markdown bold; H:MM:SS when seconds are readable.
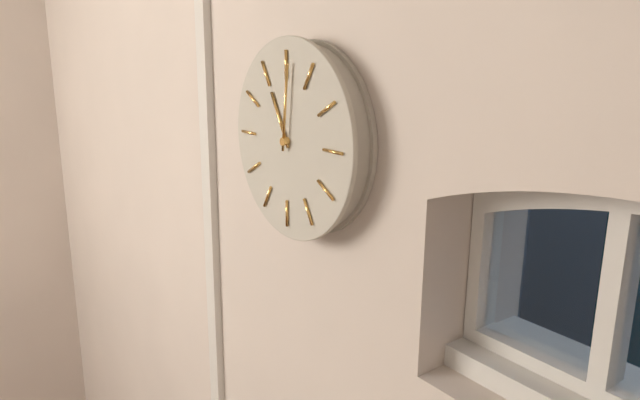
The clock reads **11:01**
